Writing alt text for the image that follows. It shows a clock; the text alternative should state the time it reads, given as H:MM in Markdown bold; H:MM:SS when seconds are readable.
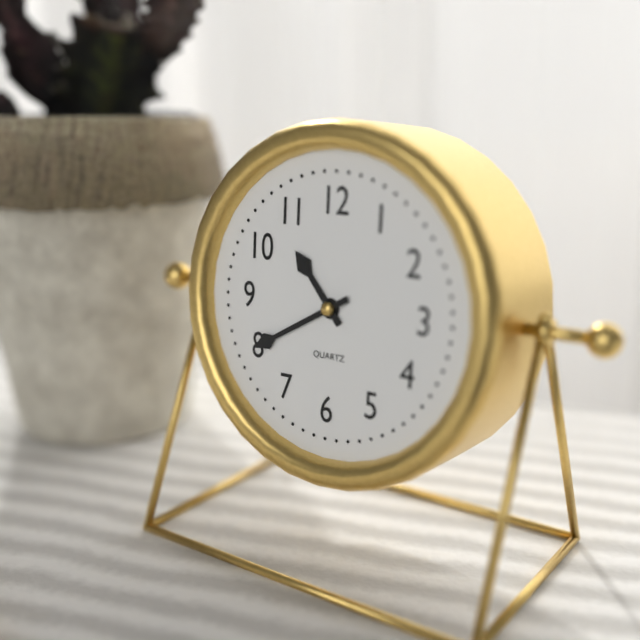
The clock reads **10:40**
